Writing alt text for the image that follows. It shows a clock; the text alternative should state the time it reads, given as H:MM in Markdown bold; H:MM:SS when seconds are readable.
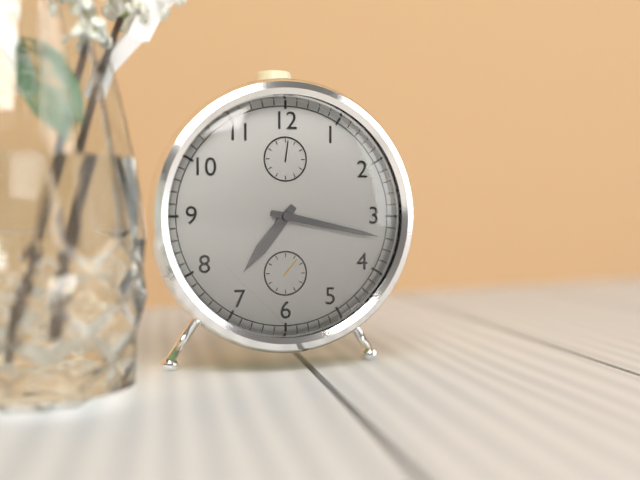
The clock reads **7:17**
